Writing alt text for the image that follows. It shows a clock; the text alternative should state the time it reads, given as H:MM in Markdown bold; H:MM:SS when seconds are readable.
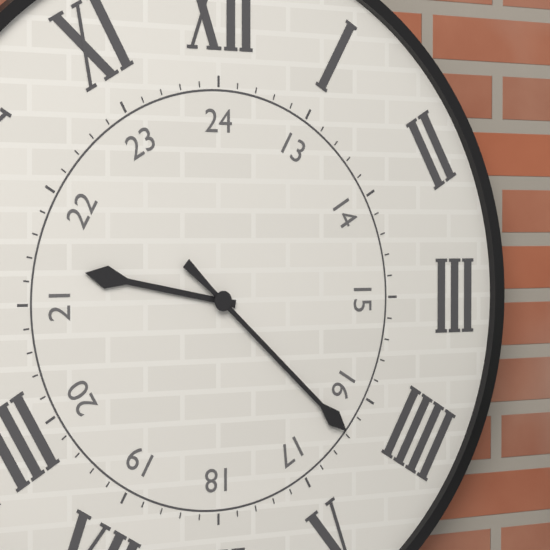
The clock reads **9:22**
